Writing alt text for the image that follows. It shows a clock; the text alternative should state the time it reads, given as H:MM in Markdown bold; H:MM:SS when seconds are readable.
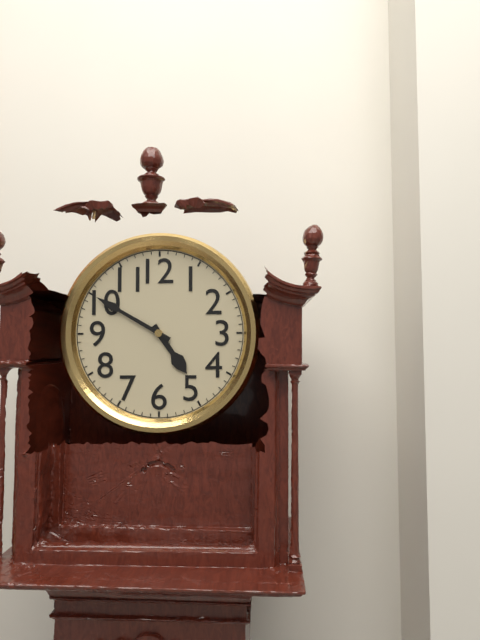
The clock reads **4:50**
